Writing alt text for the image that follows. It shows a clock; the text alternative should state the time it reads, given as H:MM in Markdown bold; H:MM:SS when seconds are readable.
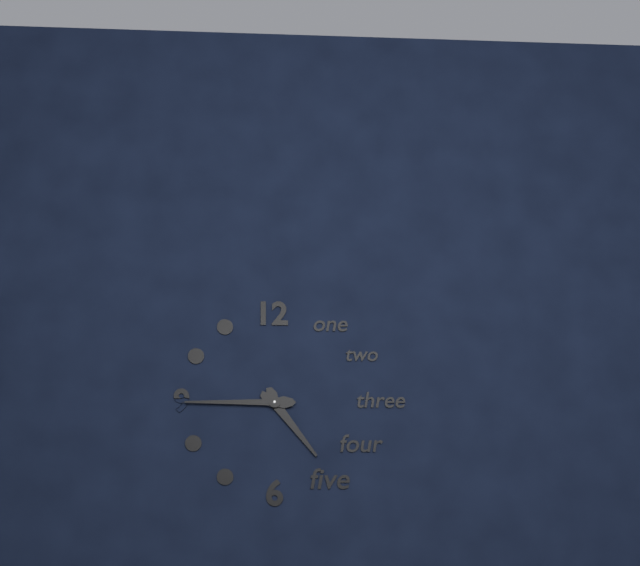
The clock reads **4:45**
